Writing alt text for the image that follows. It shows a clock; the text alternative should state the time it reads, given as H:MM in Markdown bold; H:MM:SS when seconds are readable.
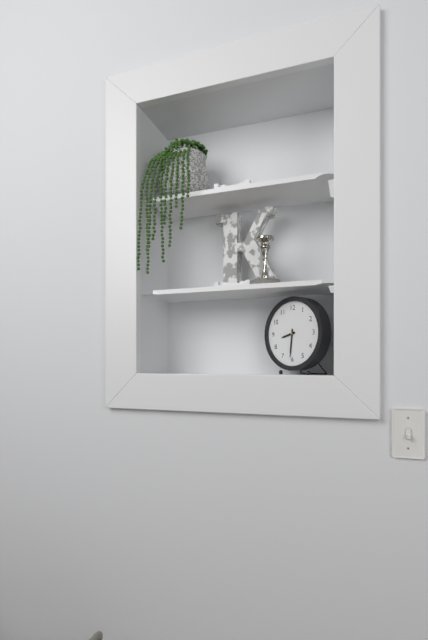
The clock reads **8:31**
